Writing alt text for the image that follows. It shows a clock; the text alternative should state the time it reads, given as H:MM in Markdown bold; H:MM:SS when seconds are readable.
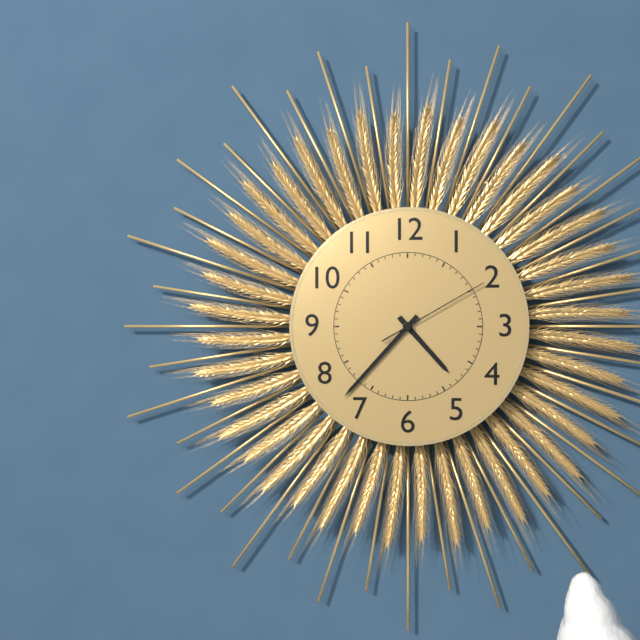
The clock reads **4:37:10**
